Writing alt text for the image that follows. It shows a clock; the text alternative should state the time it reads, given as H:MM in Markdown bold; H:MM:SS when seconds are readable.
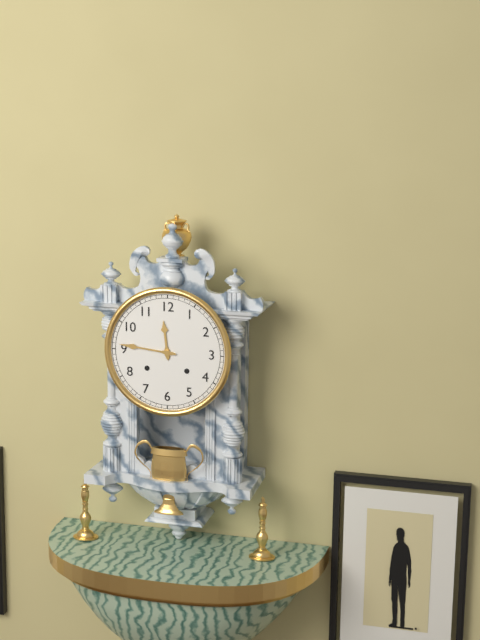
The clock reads **11:46**
